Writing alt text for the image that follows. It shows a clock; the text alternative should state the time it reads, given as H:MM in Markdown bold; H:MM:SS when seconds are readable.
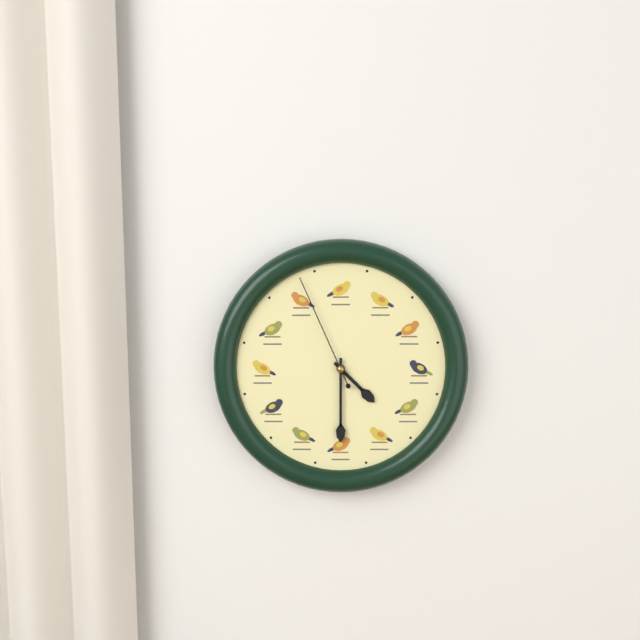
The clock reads **4:30:56**
